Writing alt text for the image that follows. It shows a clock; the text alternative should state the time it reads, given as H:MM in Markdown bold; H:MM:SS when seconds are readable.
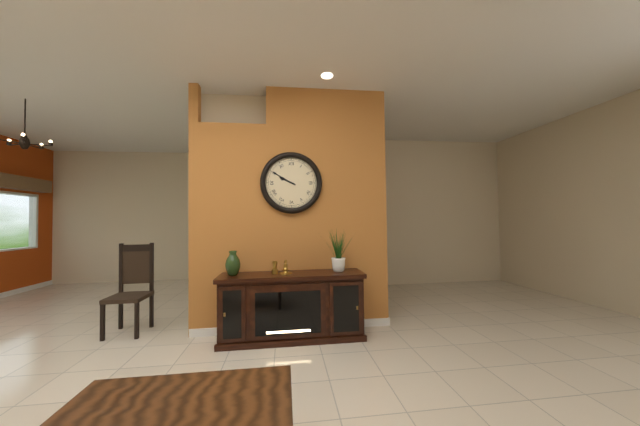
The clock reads **9:50**
